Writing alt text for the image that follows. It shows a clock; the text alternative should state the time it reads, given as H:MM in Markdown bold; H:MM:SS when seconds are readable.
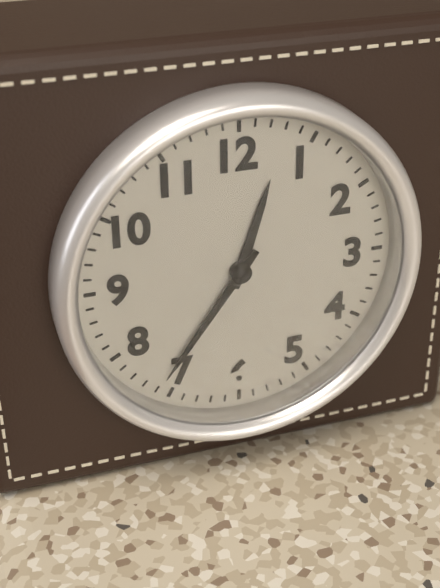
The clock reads **12:36**
